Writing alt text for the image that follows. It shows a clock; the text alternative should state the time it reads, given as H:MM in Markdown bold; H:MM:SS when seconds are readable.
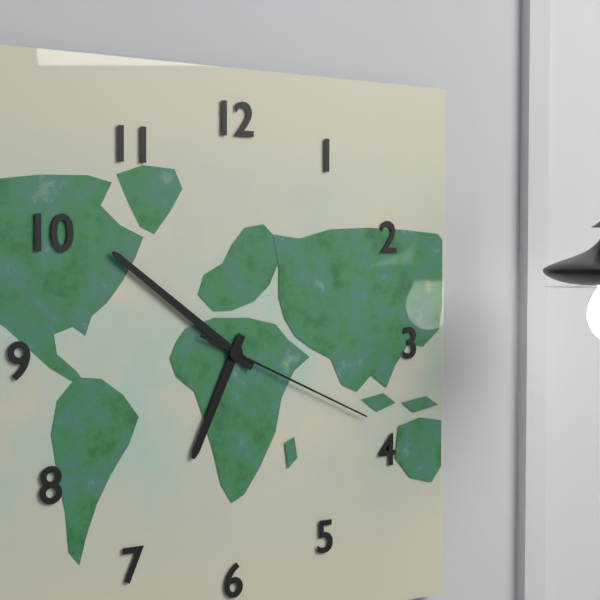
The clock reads **6:51:19**
